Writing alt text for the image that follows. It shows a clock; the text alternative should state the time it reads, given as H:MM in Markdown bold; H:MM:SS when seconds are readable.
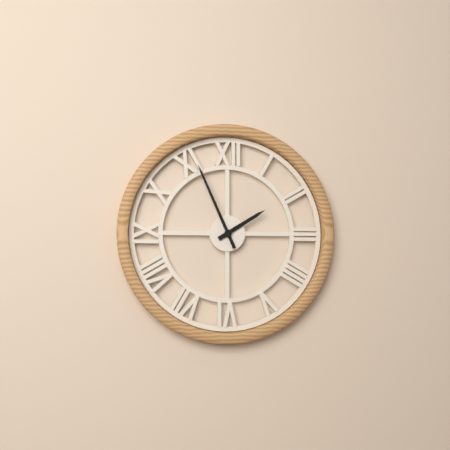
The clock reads **1:56**
